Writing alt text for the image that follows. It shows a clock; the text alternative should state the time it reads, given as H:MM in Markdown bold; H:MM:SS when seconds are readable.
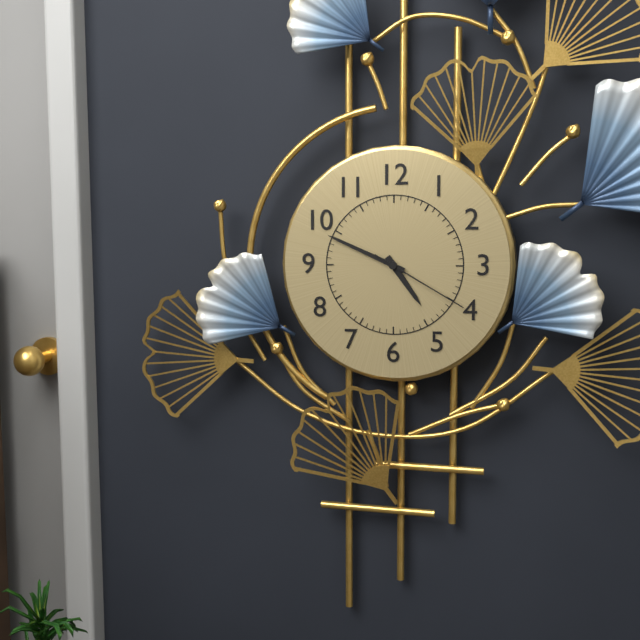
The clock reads **4:49:20**
